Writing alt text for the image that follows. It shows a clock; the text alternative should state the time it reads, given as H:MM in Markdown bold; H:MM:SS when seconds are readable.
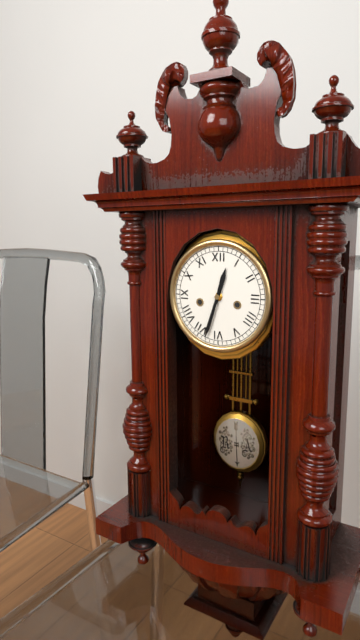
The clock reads **12:33**
